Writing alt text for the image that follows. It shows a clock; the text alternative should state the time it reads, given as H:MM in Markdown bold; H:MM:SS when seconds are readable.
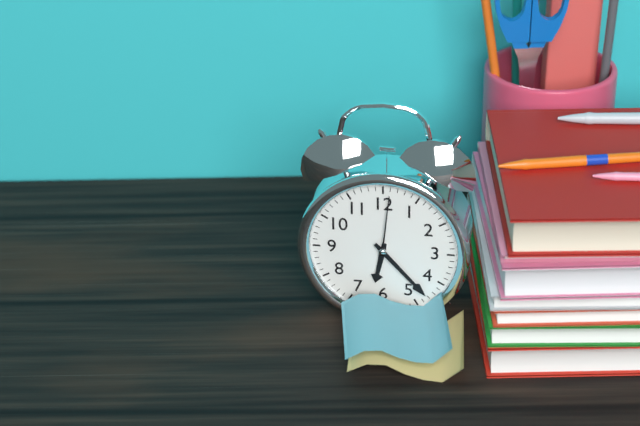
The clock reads **6:23:01**
